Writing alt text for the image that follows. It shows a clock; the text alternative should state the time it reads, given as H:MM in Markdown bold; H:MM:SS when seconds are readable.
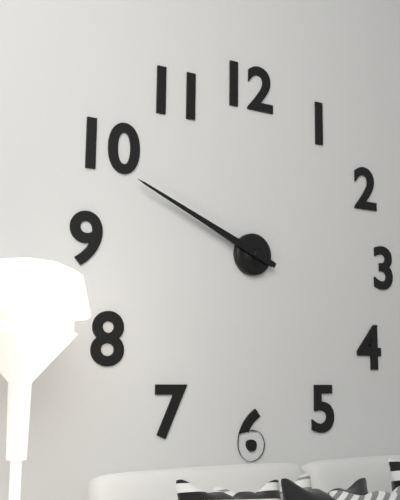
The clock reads **9:49**
